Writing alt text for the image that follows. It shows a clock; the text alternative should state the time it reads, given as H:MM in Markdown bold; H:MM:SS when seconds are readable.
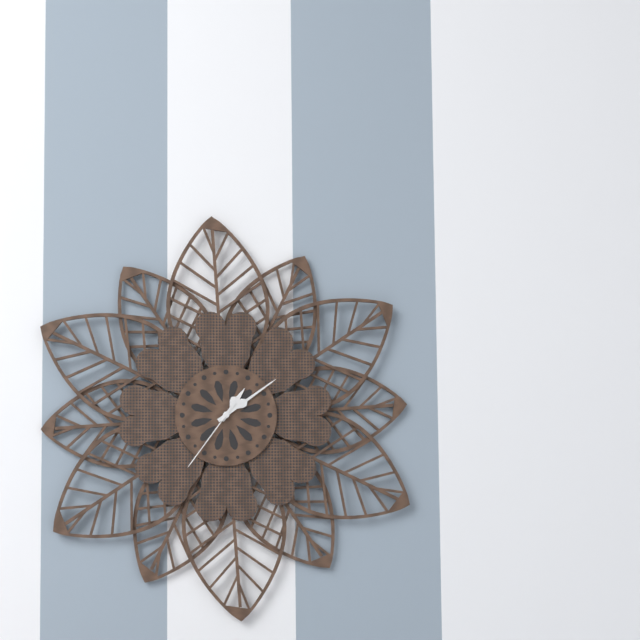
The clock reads **1:09:36**
